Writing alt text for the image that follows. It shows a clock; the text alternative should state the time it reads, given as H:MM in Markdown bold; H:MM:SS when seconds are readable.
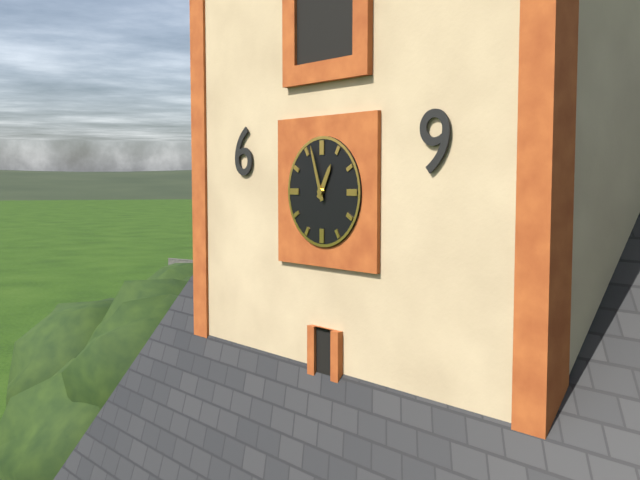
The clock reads **12:57**
